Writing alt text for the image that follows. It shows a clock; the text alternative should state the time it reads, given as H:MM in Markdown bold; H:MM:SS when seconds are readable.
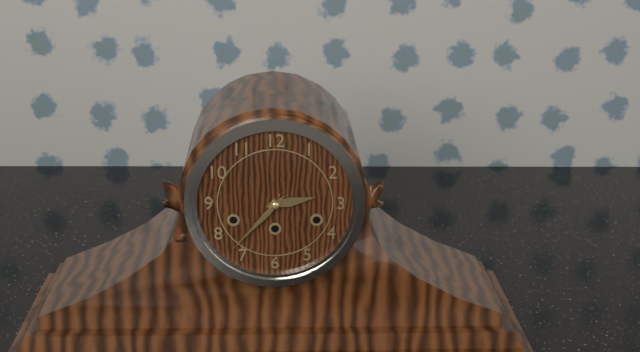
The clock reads **2:37**
